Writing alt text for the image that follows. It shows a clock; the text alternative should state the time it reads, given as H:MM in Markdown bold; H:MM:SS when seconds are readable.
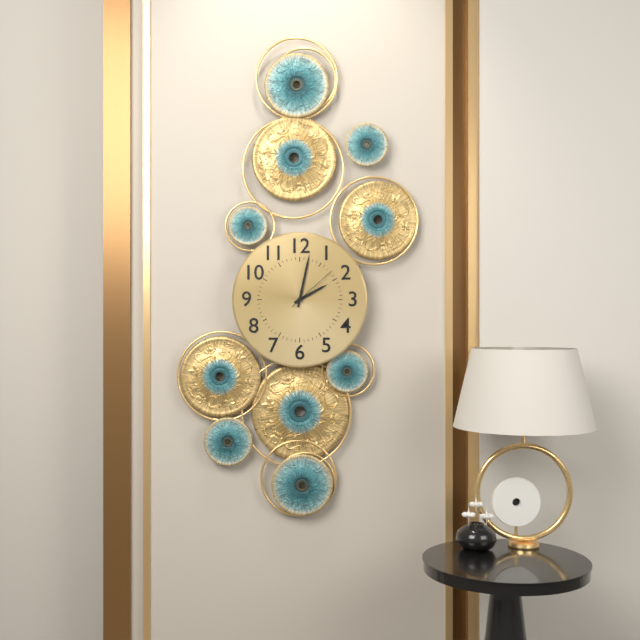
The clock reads **2:02:08**
